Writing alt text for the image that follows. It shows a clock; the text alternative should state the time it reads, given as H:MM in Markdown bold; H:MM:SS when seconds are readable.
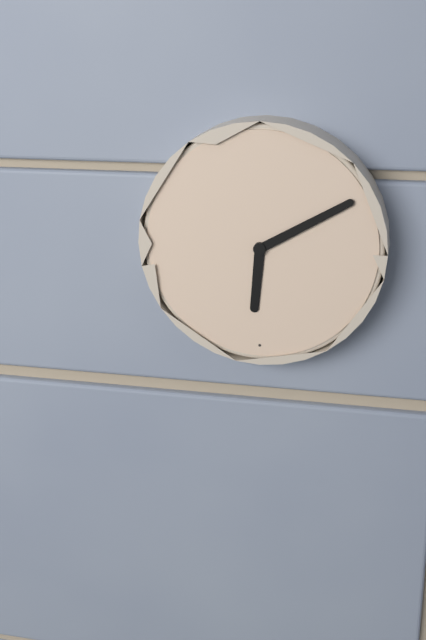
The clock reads **6:10**
